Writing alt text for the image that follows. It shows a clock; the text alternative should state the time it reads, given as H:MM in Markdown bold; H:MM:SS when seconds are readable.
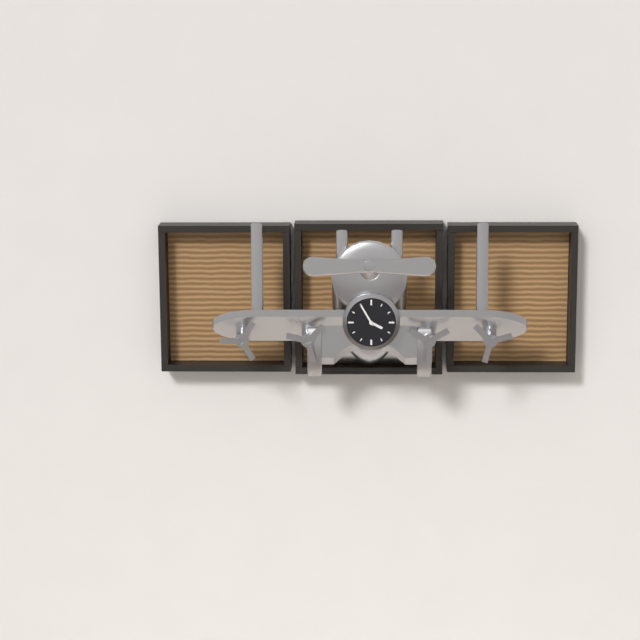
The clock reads **3:55**
